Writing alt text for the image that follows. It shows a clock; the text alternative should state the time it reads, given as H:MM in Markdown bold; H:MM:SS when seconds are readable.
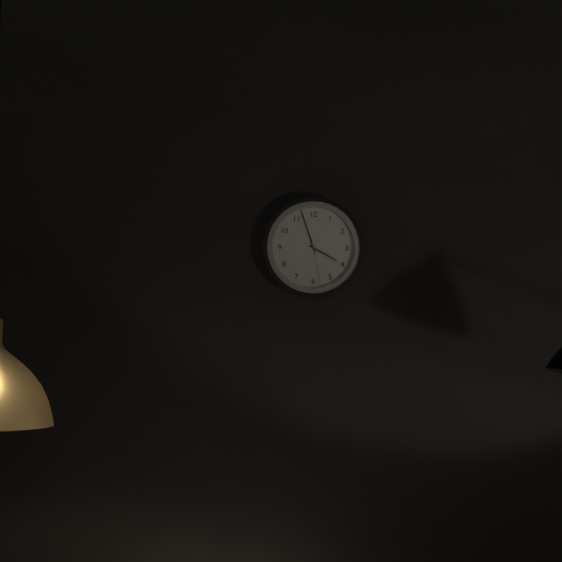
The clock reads **3:57**
